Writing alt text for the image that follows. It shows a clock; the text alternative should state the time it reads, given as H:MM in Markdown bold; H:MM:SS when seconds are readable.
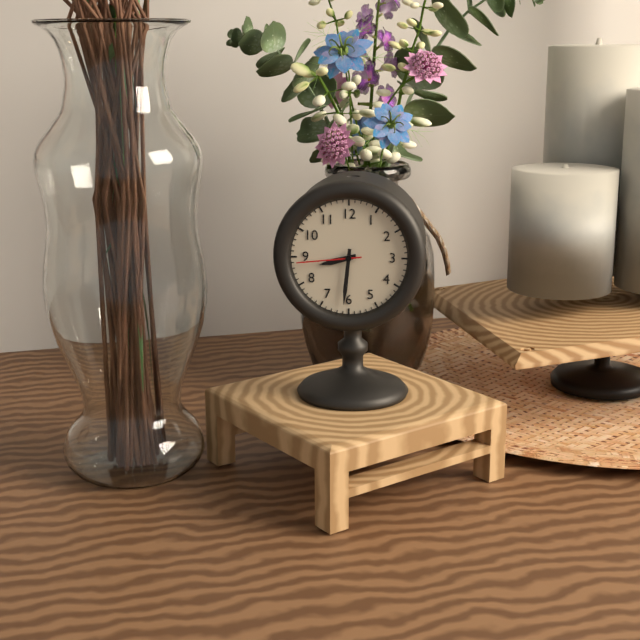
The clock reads **8:31:44**
